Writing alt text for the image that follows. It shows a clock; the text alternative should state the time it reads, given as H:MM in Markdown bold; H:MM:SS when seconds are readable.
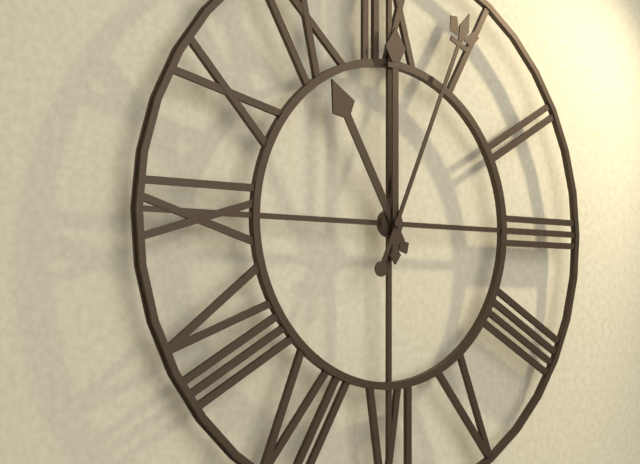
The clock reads **11:00:04**
